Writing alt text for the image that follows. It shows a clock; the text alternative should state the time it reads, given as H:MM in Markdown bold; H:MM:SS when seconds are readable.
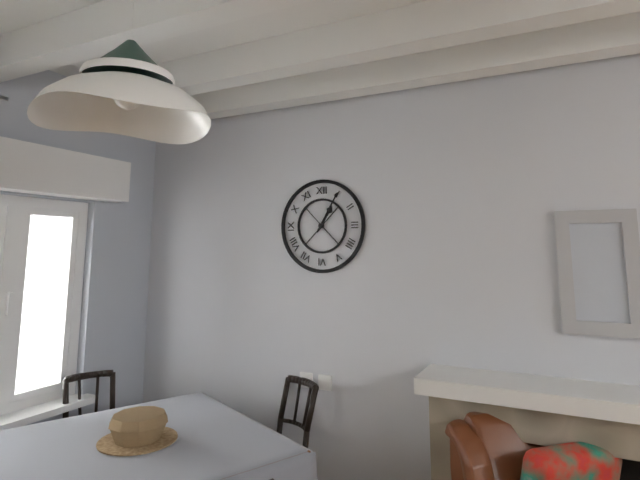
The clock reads **1:05**
